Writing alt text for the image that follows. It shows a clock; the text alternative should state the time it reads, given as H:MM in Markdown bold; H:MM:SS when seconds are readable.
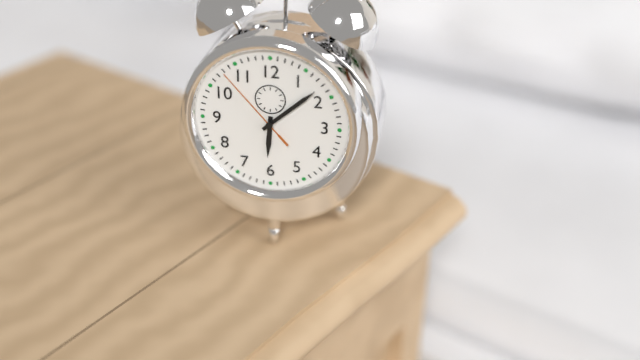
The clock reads **6:08:53**
